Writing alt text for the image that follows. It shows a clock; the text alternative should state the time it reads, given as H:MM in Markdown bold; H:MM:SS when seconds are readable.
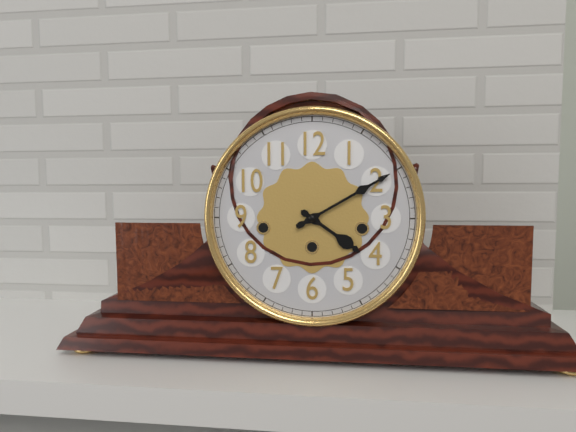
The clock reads **4:10**
